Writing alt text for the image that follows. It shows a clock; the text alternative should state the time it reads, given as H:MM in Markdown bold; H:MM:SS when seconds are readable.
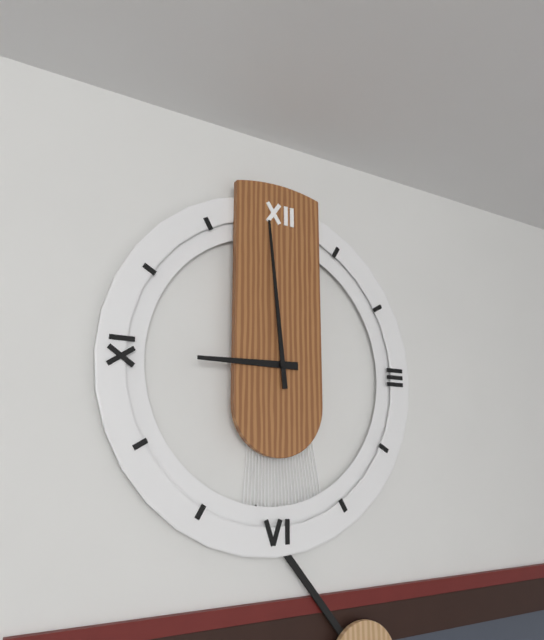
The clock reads **8:59**
